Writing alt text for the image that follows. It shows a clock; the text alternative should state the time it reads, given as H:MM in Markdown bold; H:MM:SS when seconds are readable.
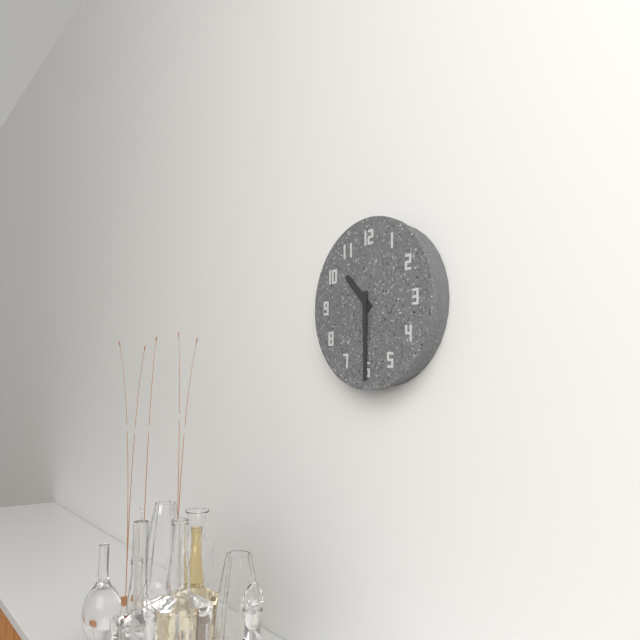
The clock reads **10:30**
